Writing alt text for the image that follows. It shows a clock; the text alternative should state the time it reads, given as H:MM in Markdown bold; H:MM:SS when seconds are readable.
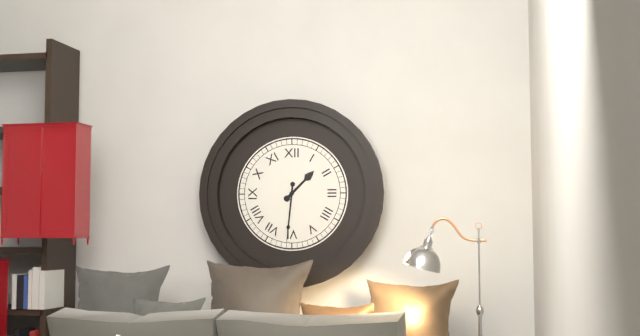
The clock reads **1:31**
